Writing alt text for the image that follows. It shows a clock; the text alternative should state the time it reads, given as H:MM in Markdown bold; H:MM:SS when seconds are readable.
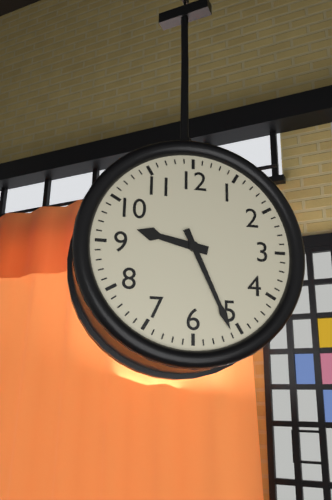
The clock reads **9:26**
